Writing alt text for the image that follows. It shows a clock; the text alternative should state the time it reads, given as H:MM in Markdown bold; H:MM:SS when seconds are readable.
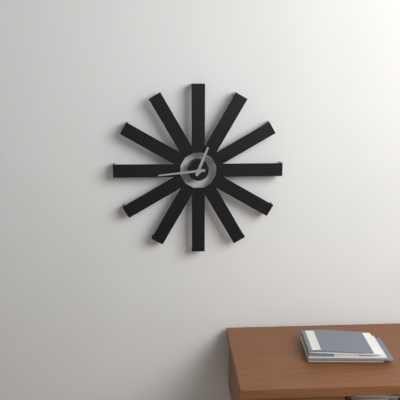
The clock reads **12:44**
